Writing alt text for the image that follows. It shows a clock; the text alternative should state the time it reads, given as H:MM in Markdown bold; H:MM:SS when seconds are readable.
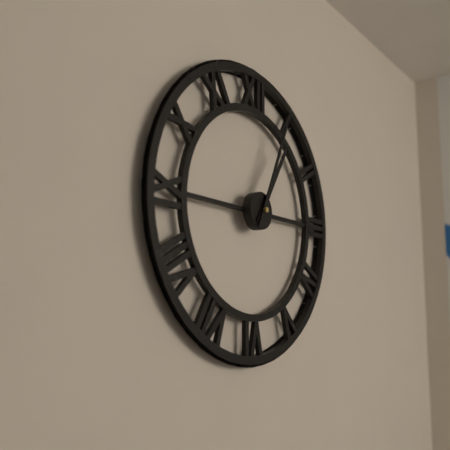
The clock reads **1:04**
